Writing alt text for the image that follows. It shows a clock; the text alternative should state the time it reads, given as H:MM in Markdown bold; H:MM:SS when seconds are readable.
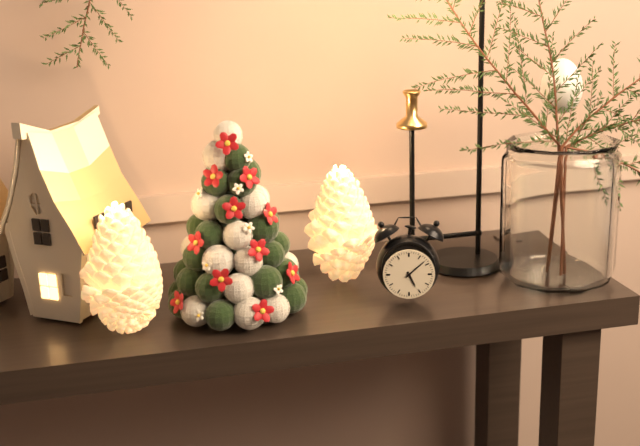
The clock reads **5:08**
